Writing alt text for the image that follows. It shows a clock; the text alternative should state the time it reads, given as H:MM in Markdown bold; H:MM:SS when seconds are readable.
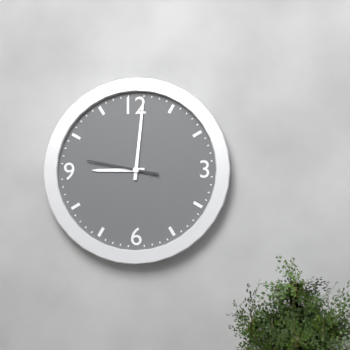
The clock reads **9:01:47**
